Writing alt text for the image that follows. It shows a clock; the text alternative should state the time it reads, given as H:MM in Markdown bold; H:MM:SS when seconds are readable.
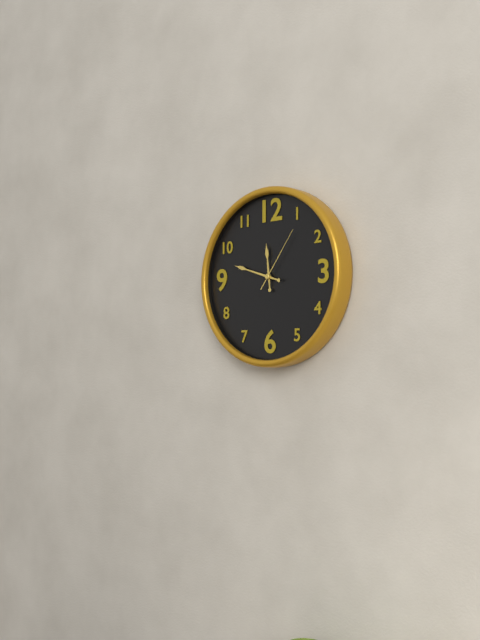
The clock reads **11:48:06**
